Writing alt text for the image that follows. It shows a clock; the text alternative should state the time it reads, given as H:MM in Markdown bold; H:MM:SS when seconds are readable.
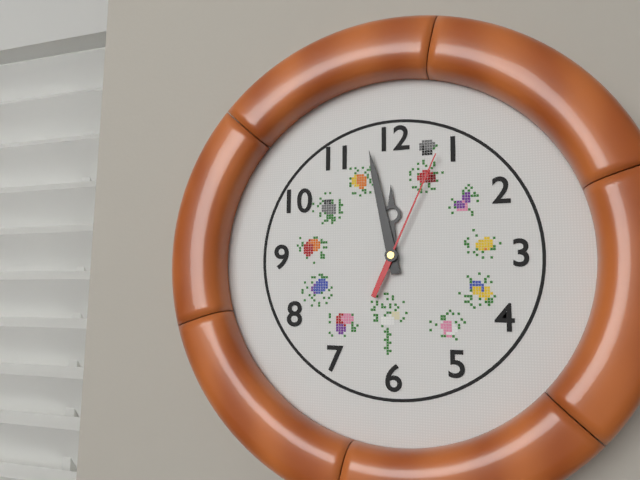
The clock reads **11:58:04**
